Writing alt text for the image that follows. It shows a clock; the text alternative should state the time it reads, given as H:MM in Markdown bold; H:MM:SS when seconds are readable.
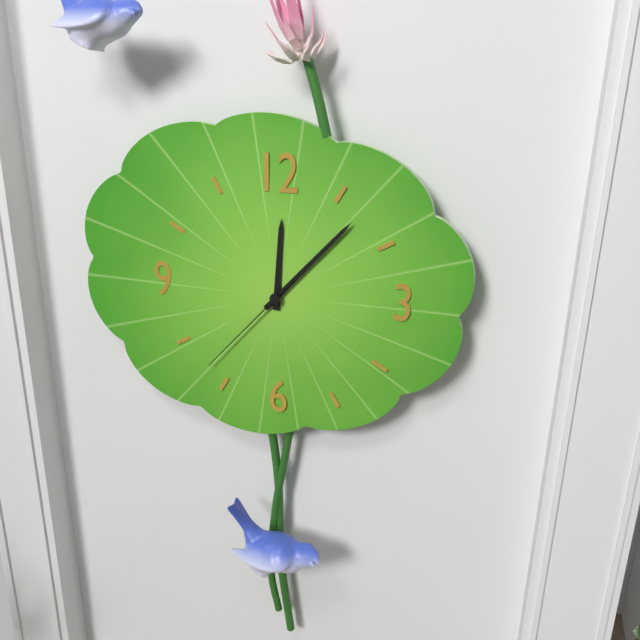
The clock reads **12:07:37**
